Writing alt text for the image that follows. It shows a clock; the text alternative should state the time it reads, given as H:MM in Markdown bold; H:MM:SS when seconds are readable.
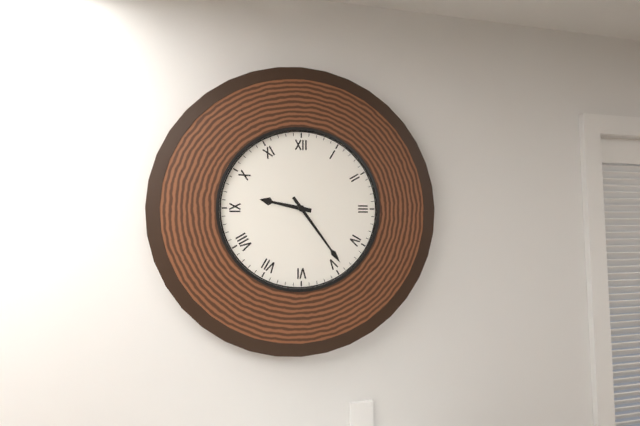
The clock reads **9:24**
